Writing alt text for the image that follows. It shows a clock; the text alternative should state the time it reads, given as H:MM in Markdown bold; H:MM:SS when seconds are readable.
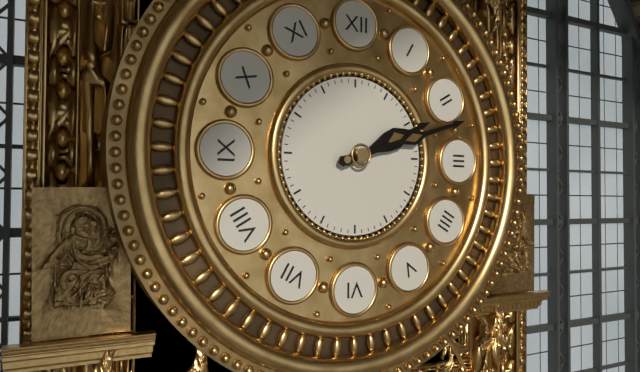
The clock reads **2:12**
